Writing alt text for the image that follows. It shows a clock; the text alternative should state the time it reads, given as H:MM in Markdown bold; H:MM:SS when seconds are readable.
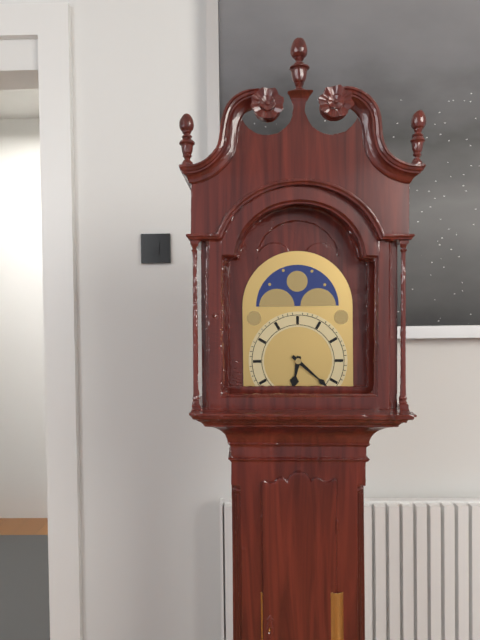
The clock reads **6:22**
